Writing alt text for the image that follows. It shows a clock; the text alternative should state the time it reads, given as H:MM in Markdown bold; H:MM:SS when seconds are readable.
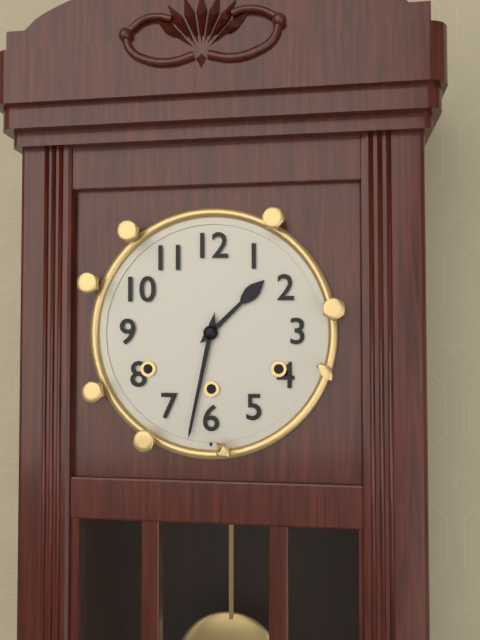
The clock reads **1:32**
